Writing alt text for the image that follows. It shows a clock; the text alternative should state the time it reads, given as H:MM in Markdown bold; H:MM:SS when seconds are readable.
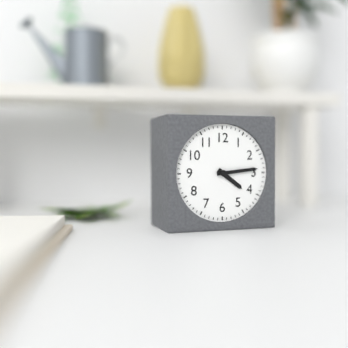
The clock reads **4:14**
